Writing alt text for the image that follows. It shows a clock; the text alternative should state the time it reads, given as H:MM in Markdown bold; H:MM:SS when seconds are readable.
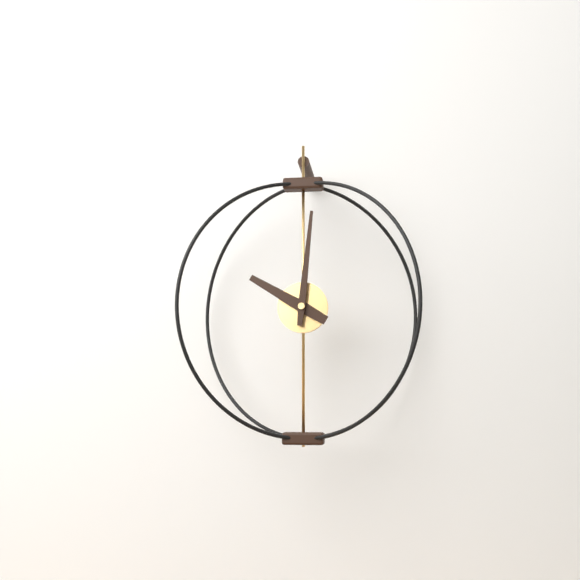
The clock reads **10:01**
